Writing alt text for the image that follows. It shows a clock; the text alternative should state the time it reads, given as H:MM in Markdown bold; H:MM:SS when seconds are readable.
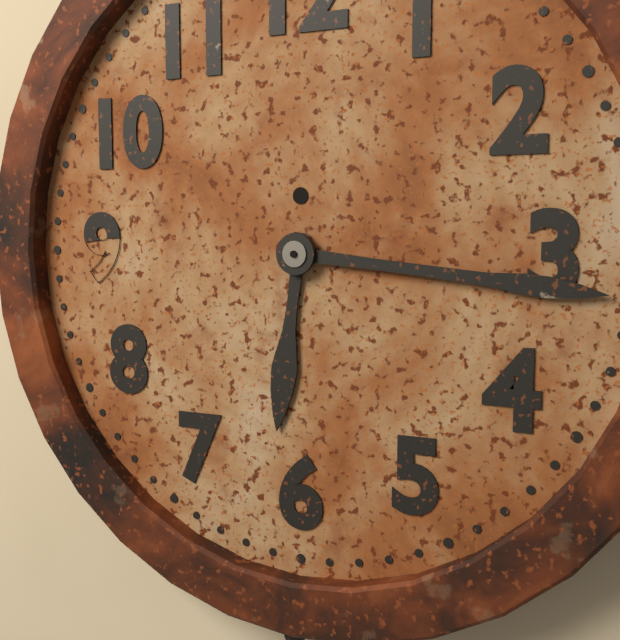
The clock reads **6:16**
